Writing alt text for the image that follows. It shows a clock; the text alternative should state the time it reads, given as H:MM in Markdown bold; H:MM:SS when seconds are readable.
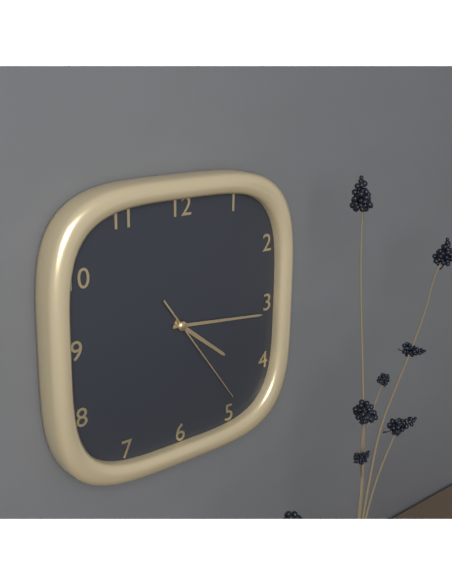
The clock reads **4:16:24**
